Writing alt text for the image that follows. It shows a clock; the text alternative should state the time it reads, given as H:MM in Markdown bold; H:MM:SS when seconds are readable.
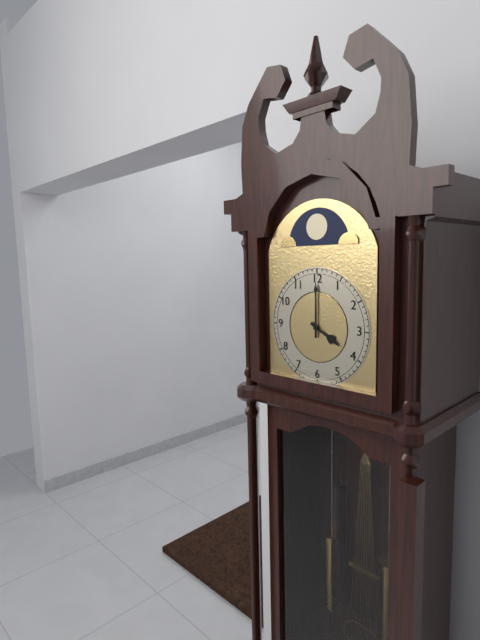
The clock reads **4:00**
